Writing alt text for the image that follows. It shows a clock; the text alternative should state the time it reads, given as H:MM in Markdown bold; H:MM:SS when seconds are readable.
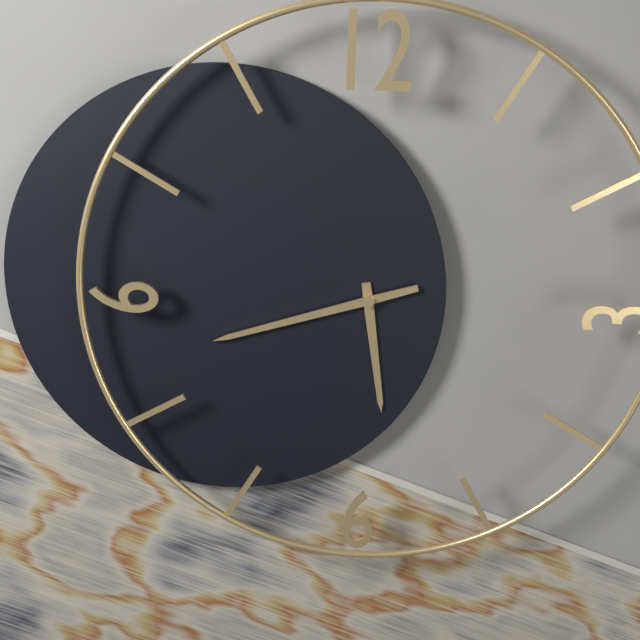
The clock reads **5:42**
